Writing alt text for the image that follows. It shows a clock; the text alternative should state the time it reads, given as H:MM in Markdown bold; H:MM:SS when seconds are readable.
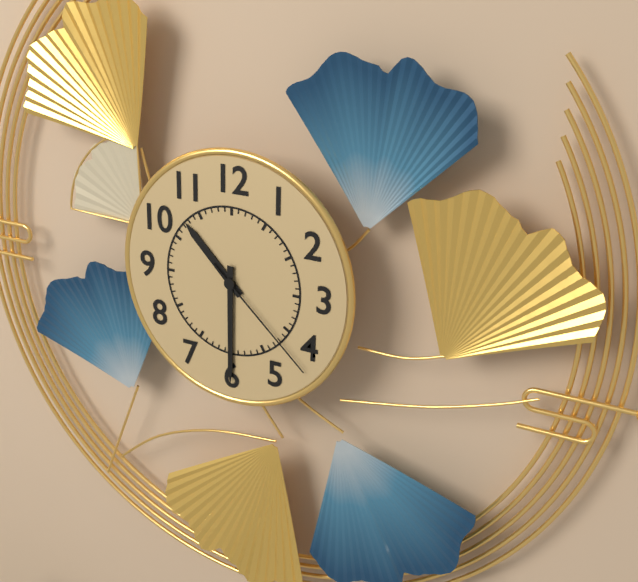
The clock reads **10:30:22**
